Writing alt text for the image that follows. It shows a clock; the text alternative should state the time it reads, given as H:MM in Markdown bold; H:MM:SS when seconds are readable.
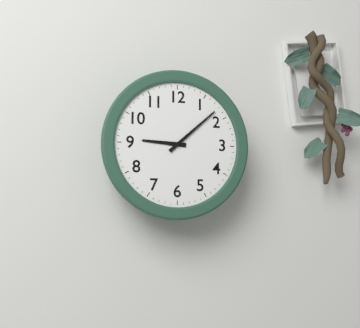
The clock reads **9:08**
